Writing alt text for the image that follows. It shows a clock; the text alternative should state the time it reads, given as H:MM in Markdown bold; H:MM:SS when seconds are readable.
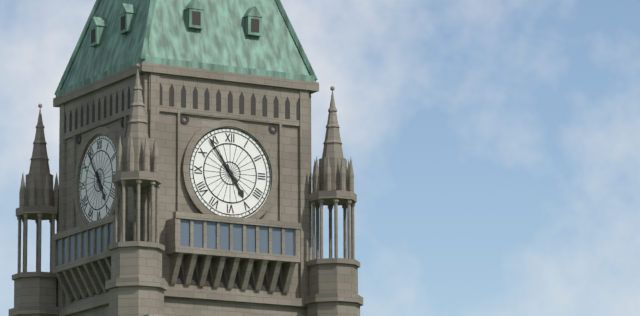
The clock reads **4:54**
